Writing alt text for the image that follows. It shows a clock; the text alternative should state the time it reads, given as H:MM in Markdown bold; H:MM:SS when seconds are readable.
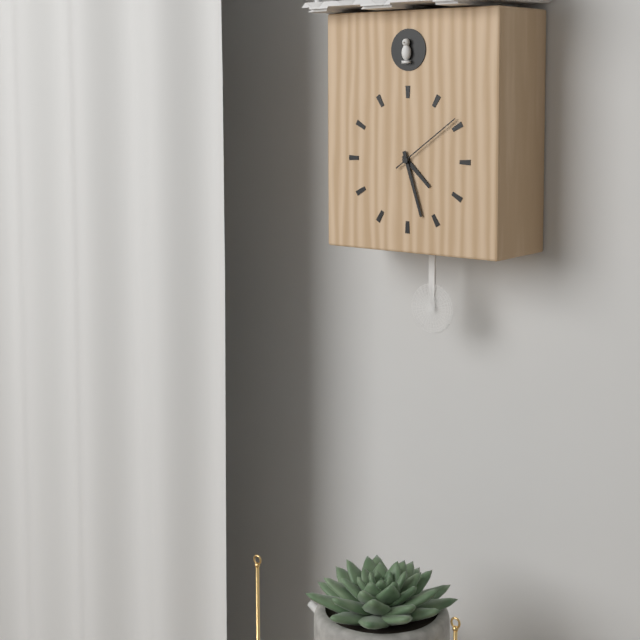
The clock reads **4:27:09**
